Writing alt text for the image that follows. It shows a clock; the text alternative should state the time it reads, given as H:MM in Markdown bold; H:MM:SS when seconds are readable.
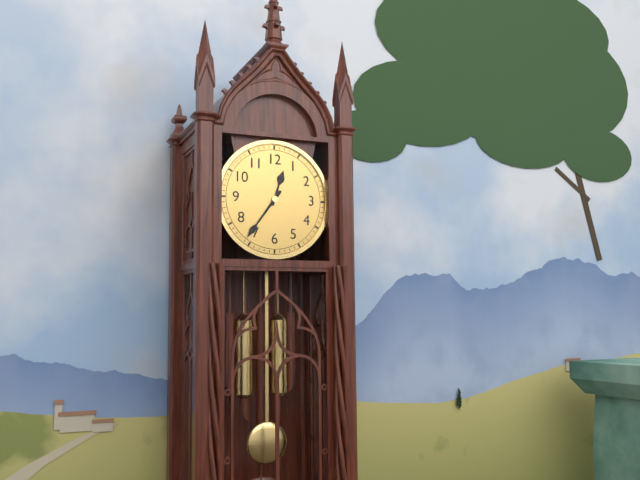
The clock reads **12:36**
